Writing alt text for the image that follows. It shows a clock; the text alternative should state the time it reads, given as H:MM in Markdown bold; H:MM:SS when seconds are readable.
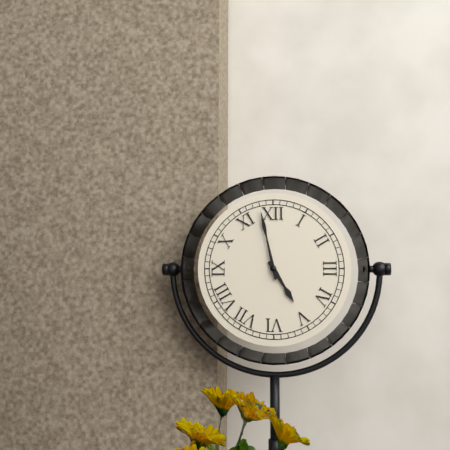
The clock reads **4:58**
